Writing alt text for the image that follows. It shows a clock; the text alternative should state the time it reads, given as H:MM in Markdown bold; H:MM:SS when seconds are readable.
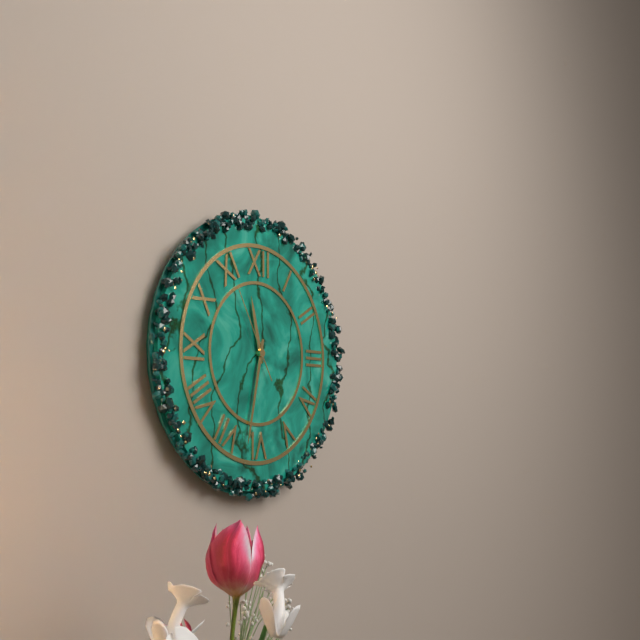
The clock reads **11:32:55**
